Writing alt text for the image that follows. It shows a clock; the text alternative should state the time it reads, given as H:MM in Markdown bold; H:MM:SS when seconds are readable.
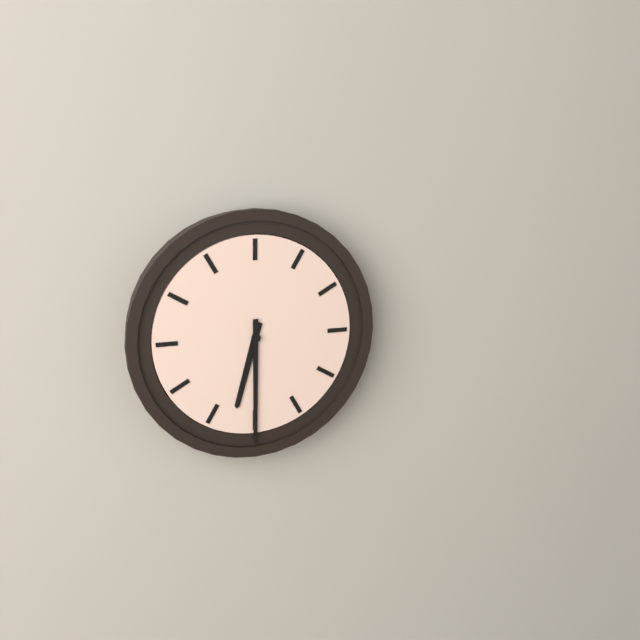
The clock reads **6:30**
